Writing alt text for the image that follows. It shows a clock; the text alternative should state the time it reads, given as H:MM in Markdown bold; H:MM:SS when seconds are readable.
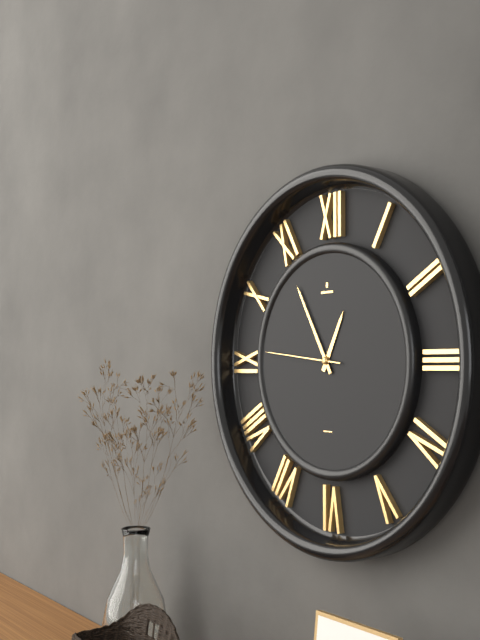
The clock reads **12:55:46**
